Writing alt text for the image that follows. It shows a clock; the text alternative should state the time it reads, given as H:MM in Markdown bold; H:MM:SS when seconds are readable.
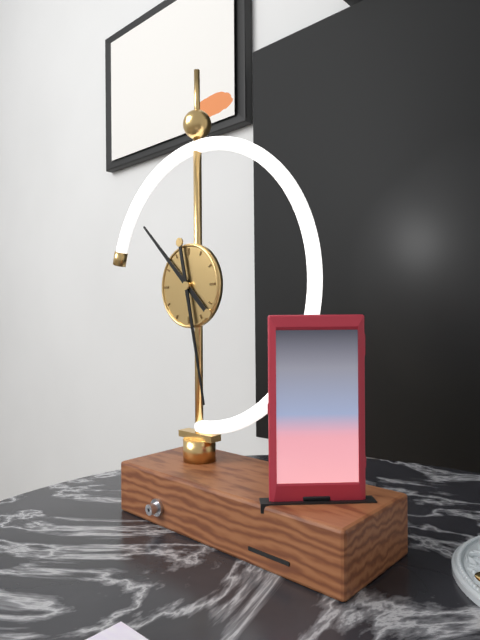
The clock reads **10:28**
